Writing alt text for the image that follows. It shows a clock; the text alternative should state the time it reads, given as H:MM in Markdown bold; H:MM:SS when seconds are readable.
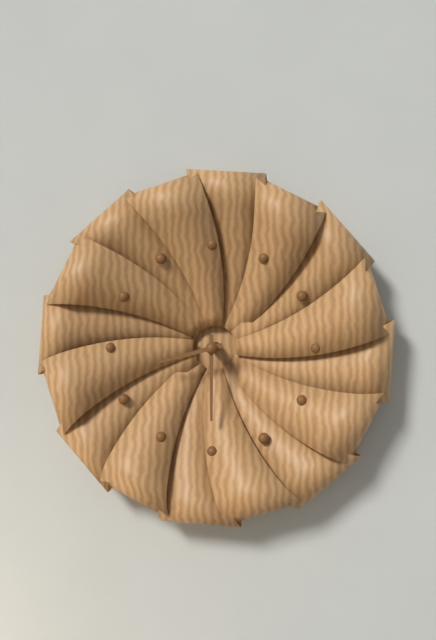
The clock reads **8:30**
